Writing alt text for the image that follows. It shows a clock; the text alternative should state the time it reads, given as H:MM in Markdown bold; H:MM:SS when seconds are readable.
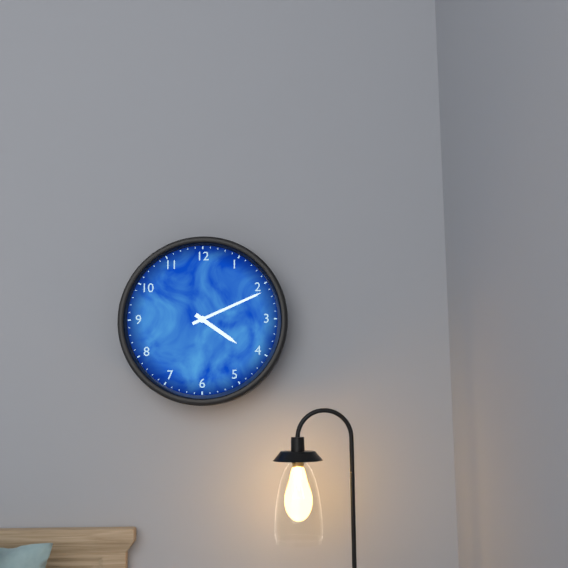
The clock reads **4:11**
